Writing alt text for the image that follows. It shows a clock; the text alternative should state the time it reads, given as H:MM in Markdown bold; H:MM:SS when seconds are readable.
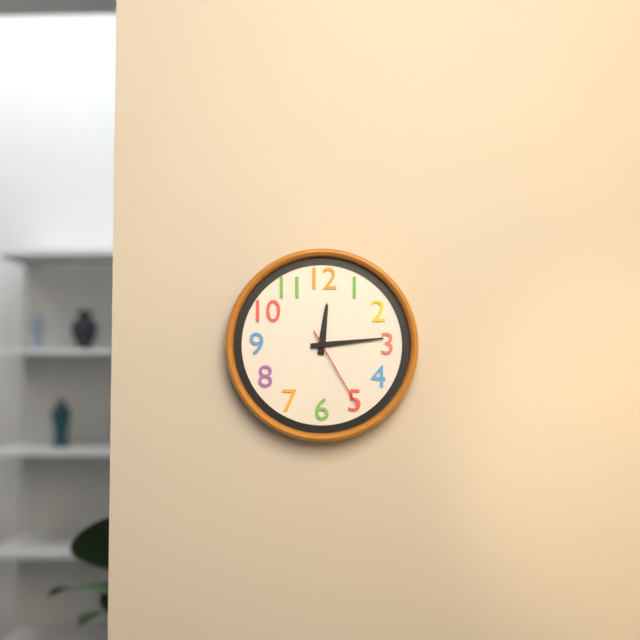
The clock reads **12:14:25**
